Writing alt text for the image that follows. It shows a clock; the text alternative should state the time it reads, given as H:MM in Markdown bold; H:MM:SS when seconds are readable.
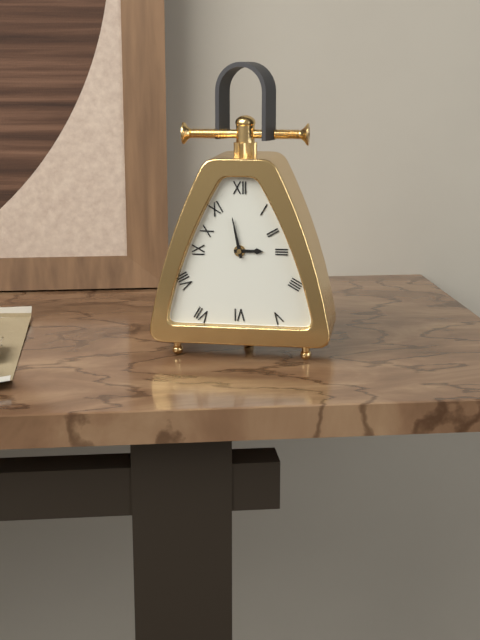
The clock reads **2:58**
